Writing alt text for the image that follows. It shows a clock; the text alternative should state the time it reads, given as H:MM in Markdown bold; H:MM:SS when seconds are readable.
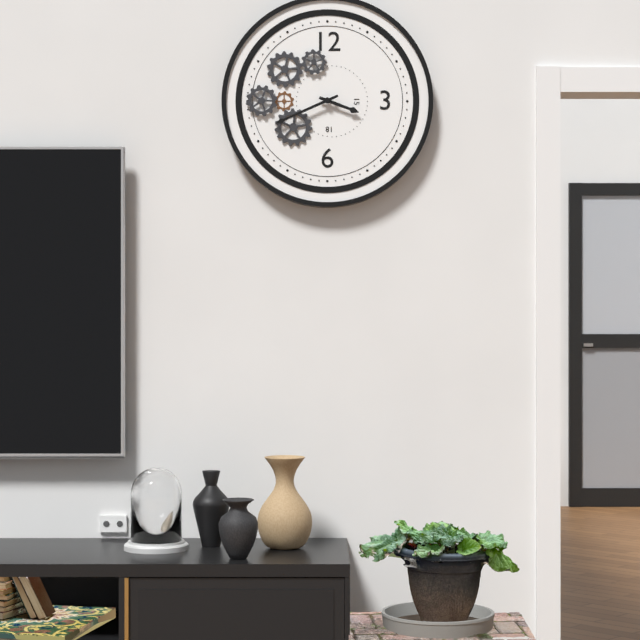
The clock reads **3:41**
